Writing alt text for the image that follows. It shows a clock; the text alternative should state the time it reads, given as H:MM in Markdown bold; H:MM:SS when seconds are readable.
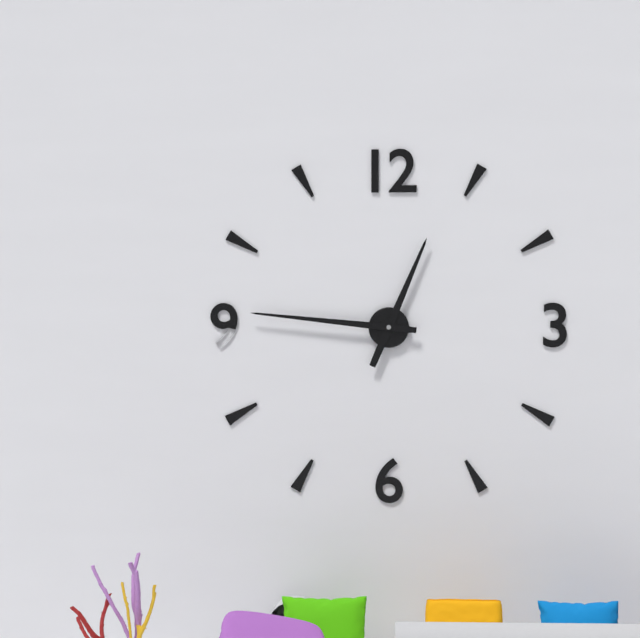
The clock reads **12:46**
